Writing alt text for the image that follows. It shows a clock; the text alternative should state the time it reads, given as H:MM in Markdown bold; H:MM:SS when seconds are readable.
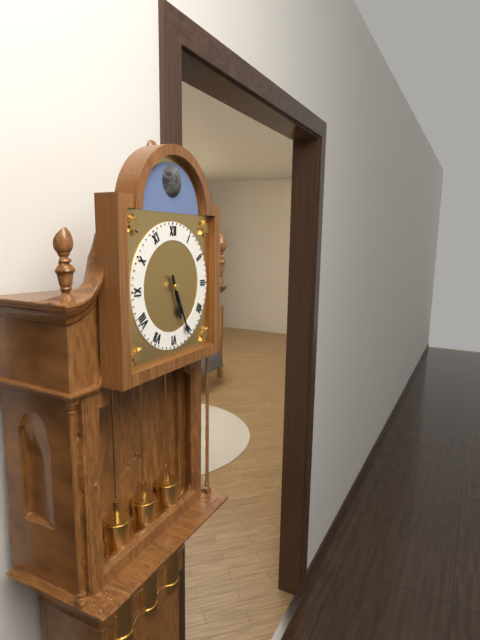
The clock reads **5:26**
